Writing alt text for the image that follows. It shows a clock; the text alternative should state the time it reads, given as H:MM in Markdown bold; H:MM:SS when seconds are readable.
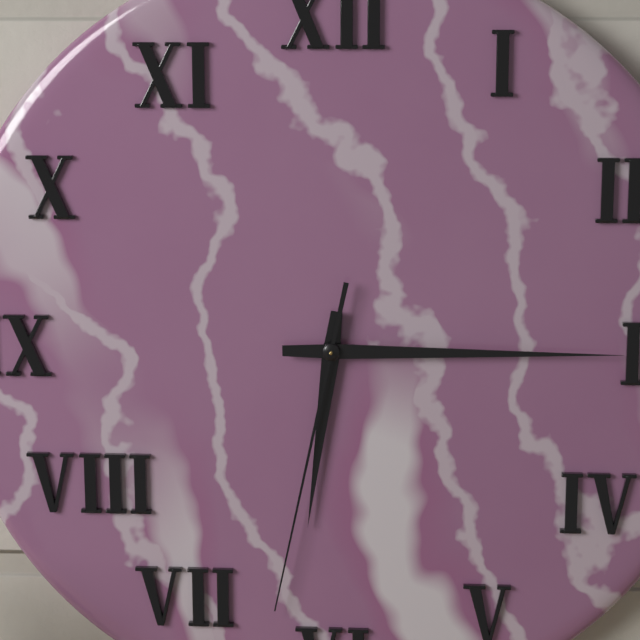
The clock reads **6:15:32**
